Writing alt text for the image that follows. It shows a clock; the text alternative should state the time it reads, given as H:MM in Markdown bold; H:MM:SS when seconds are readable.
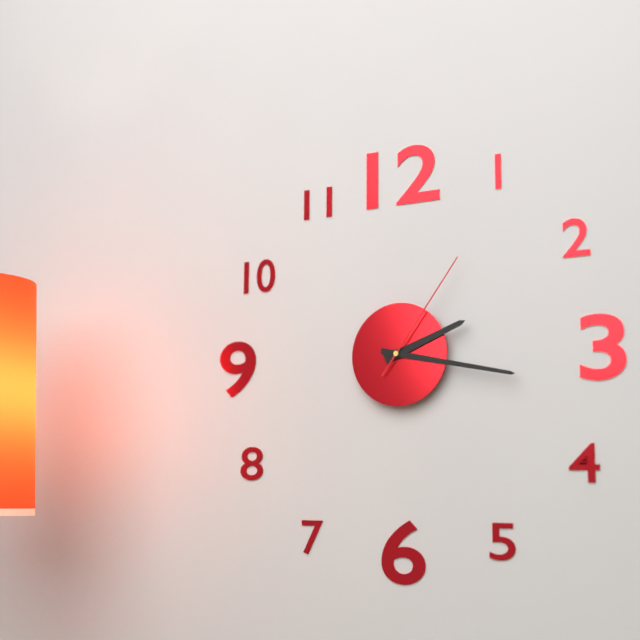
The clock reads **2:17:06**
